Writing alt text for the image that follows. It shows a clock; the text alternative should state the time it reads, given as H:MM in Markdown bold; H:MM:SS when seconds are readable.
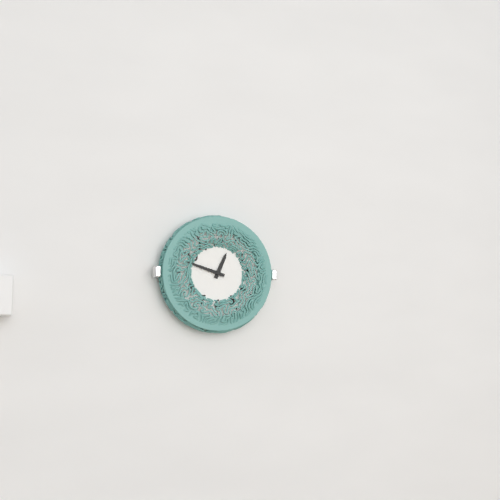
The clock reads **12:48**
